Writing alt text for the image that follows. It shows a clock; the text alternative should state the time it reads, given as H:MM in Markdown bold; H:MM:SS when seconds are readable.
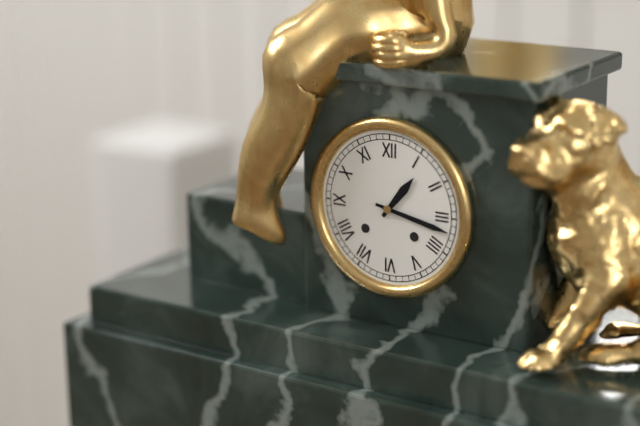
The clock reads **1:17**
